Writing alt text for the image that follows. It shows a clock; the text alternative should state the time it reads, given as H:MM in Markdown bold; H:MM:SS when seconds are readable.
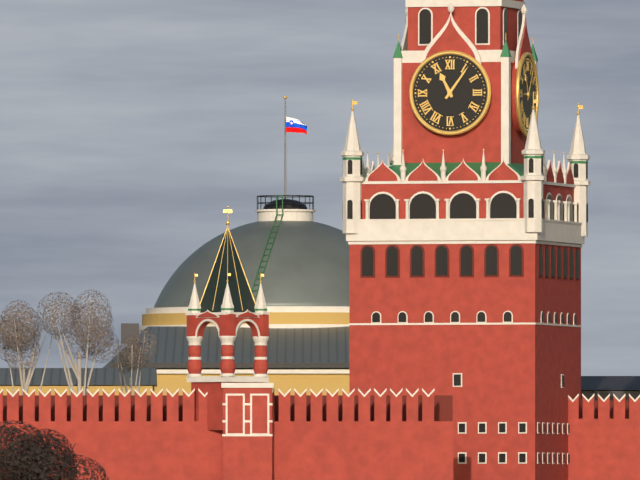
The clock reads **11:06**
